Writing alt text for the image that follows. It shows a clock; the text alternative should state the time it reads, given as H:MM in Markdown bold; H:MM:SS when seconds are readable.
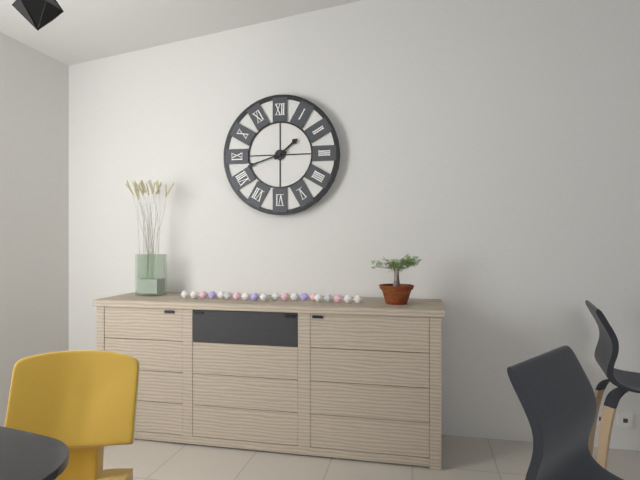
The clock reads **1:42**
